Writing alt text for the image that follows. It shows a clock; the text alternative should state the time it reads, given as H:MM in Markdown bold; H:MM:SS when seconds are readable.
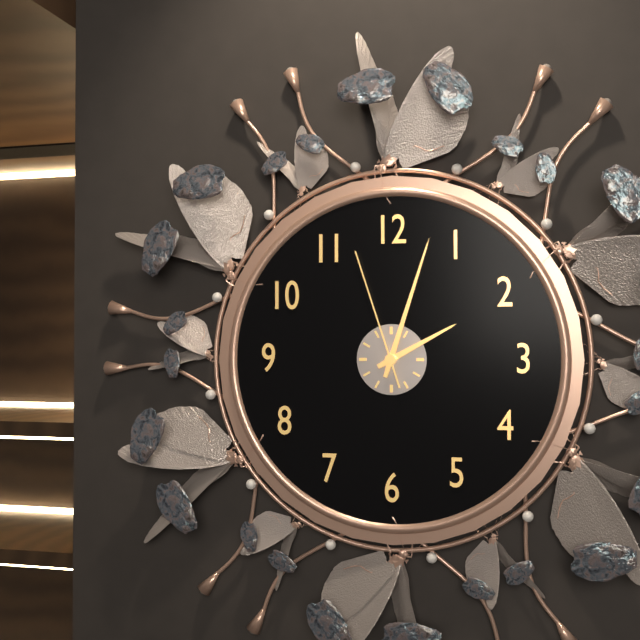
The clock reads **2:03:57**
